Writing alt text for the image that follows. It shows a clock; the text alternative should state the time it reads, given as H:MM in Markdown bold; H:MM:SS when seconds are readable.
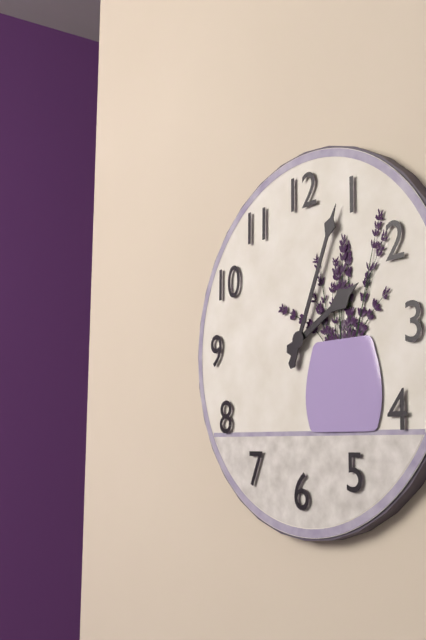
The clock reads **2:04**
